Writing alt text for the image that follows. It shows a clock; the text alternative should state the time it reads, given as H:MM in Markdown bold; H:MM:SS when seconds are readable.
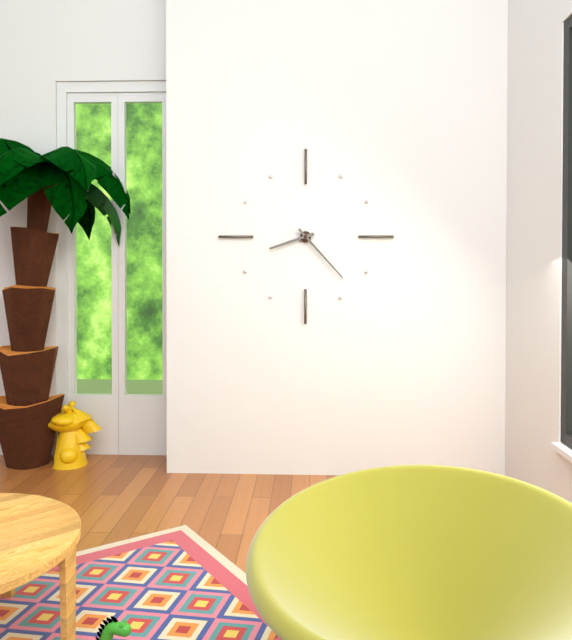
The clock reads **8:23**
